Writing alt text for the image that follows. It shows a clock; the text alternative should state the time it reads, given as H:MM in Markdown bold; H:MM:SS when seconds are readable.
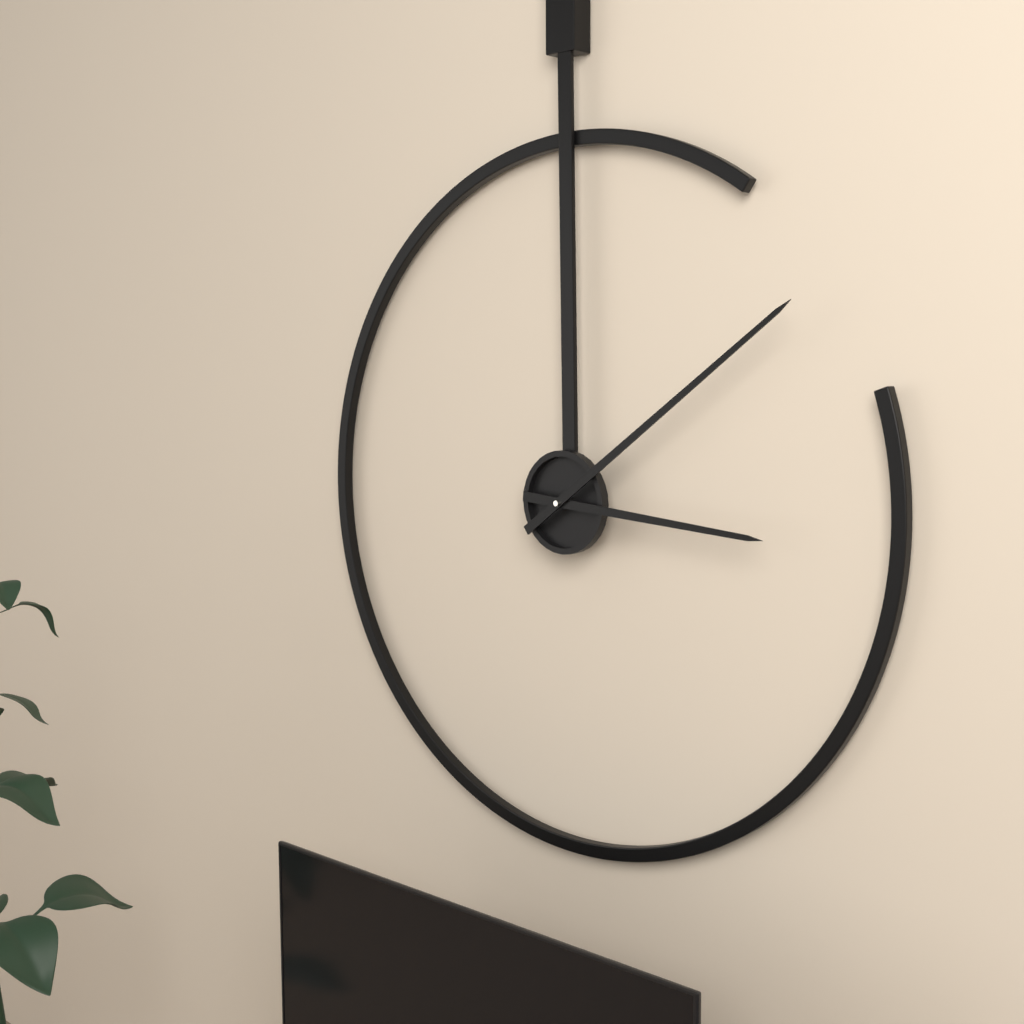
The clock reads **3:09**
